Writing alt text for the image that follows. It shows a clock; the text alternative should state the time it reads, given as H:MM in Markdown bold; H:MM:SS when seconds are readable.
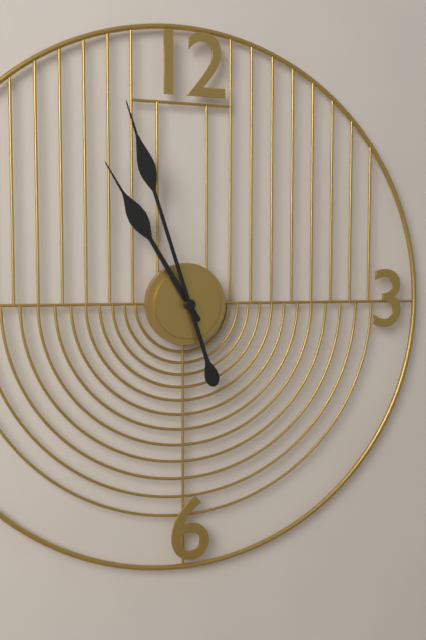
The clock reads **10:57**
